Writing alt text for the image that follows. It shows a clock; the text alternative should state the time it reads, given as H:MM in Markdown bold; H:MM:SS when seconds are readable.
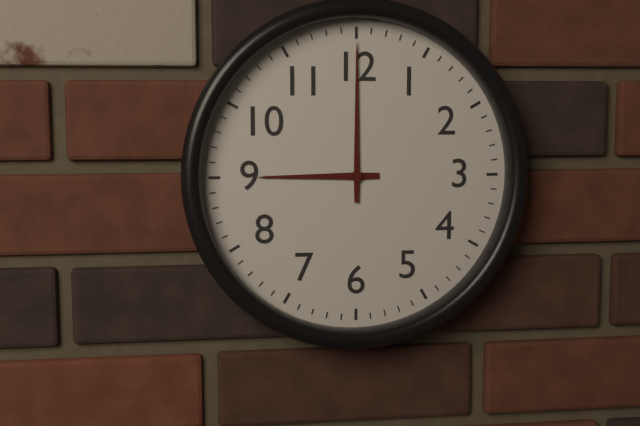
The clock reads **9:00**
